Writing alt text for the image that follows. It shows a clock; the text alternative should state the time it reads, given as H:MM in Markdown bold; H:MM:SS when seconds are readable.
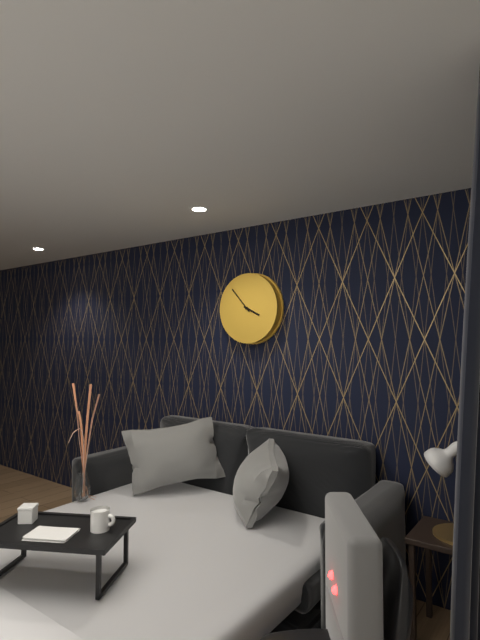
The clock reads **3:53**
